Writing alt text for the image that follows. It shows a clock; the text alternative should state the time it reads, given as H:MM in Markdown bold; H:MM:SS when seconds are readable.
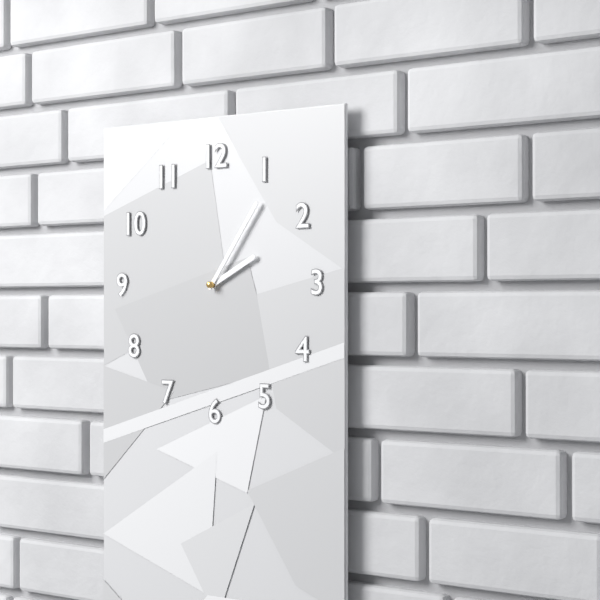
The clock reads **2:06**
